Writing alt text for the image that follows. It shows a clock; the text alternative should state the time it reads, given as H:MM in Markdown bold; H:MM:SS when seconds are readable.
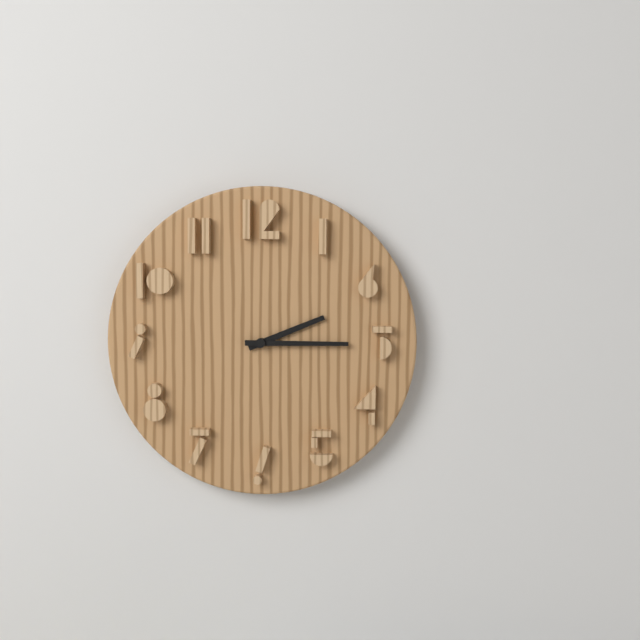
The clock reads **2:15**
